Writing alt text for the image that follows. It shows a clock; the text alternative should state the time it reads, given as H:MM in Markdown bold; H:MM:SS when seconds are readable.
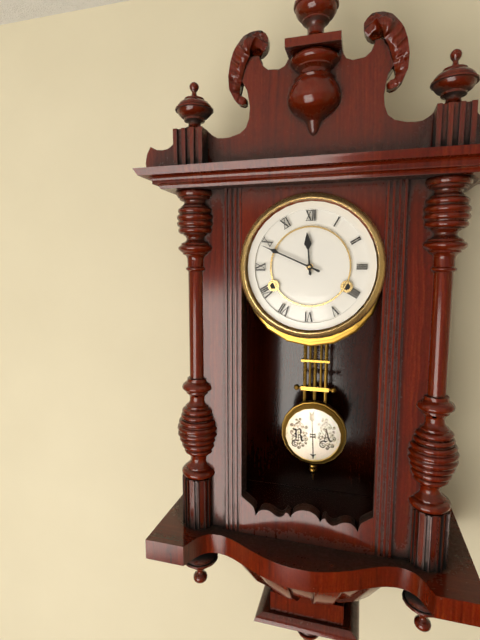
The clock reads **11:49**
